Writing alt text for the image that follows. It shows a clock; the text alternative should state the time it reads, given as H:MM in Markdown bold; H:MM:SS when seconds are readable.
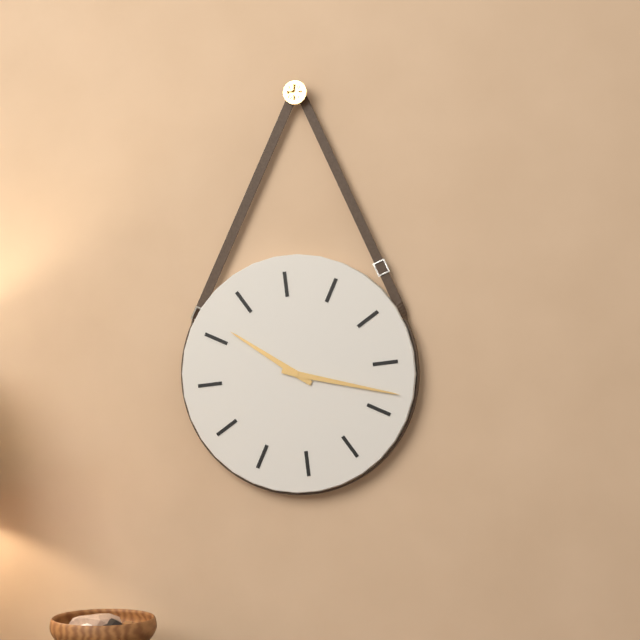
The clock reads **10:18**
